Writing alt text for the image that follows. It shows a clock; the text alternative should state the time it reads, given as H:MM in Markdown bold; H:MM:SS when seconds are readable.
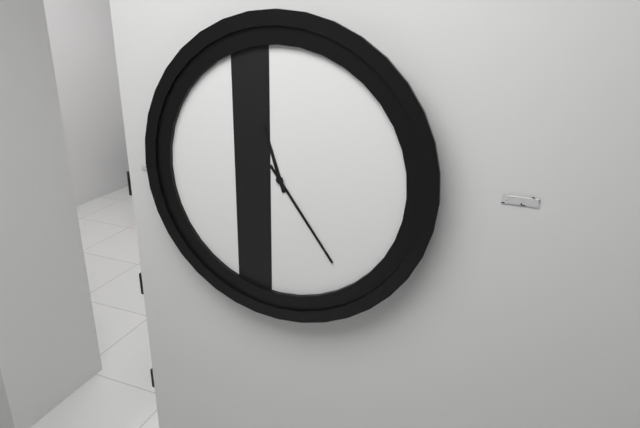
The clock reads **11:24**
